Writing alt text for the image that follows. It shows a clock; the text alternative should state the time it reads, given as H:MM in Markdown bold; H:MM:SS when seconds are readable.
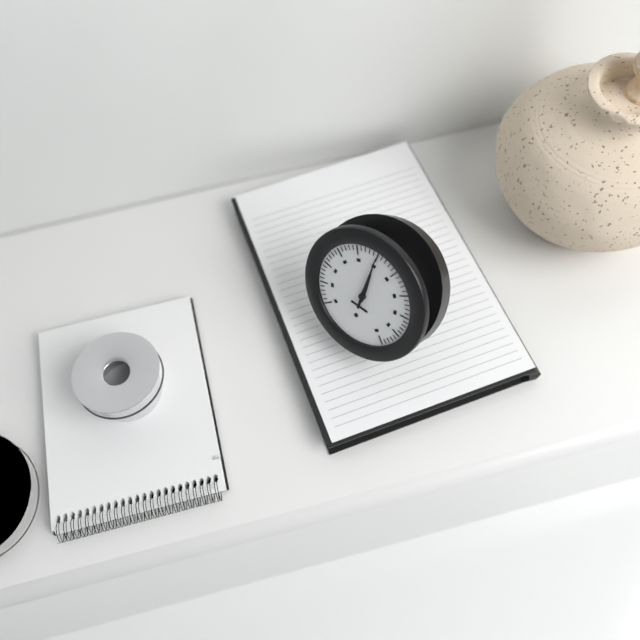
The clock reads **12:00**
